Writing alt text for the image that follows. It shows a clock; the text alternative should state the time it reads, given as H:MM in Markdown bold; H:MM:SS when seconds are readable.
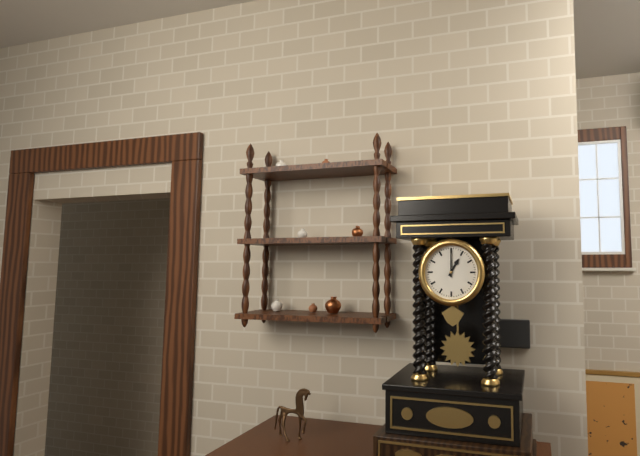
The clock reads **1:00**
